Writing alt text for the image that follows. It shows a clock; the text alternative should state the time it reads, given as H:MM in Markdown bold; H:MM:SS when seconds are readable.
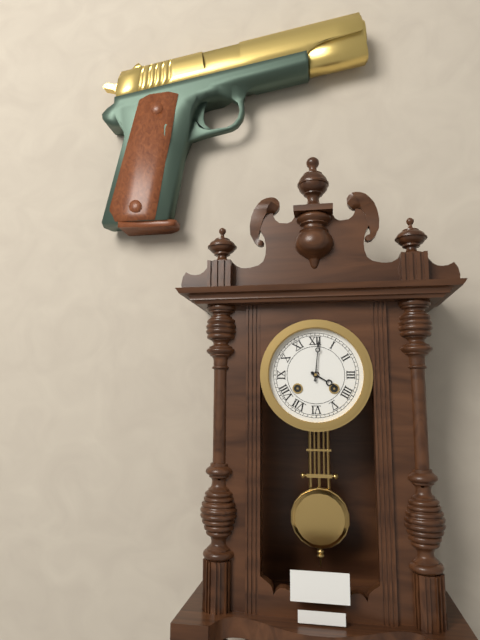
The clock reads **4:01**
